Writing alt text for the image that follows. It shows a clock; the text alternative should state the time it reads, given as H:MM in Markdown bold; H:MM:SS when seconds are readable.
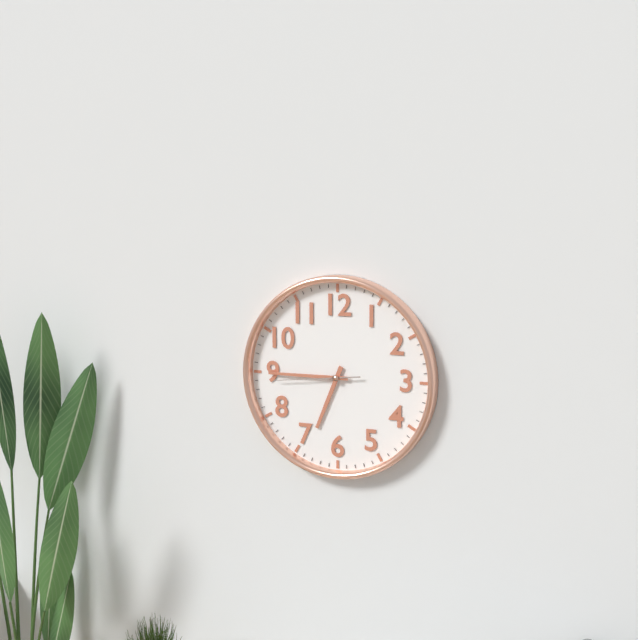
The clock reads **6:45:44**
